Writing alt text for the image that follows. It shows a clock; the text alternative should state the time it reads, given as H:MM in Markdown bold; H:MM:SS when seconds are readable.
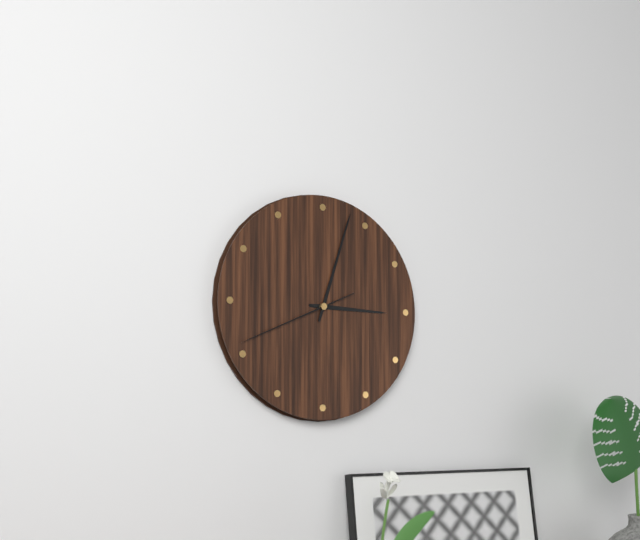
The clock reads **3:03:41**
